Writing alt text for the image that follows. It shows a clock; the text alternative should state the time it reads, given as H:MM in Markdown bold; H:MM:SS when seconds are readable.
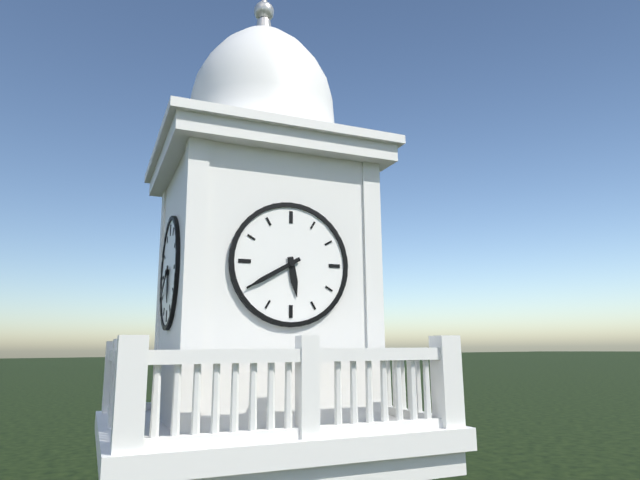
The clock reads **5:40**
